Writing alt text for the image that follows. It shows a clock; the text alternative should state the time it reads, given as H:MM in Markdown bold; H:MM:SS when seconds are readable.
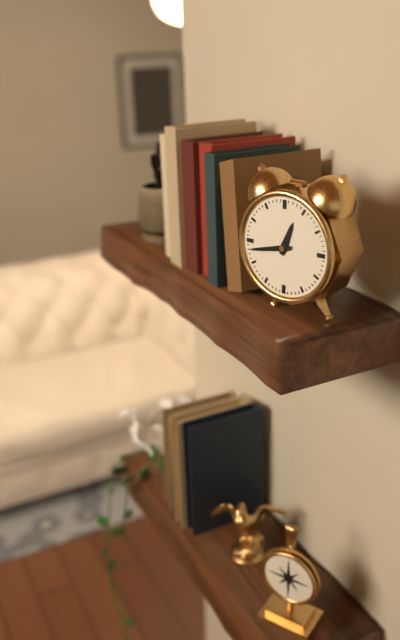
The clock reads **12:43**
